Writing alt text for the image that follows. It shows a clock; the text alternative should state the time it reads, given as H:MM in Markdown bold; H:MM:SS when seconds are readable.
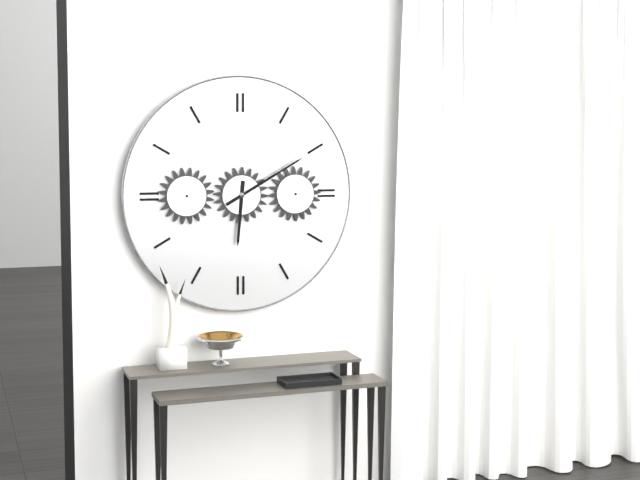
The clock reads **6:10**
